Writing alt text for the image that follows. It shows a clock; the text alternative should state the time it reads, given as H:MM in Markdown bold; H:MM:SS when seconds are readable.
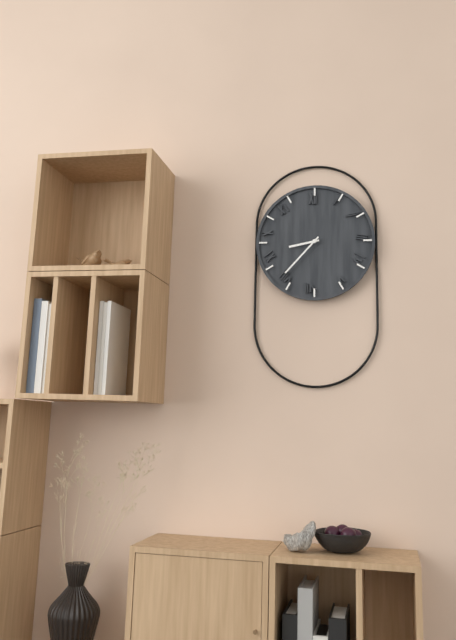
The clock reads **8:37**
